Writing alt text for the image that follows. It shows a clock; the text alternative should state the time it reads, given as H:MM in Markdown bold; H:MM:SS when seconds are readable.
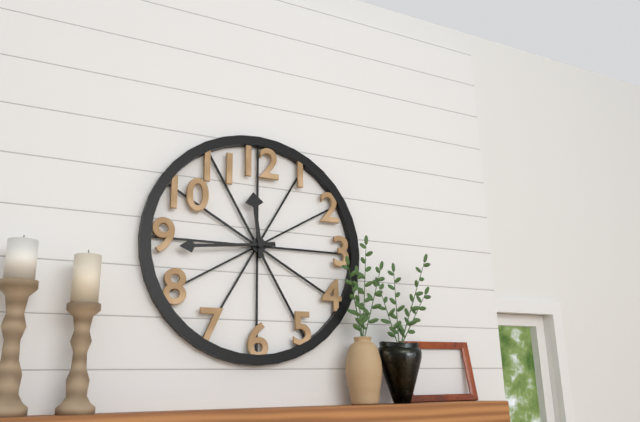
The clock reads **11:44**
